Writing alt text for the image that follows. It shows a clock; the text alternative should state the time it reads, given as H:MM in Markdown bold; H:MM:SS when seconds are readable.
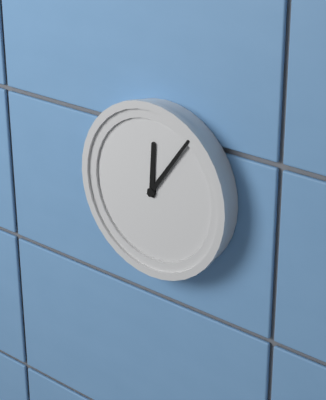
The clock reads **12:06**
